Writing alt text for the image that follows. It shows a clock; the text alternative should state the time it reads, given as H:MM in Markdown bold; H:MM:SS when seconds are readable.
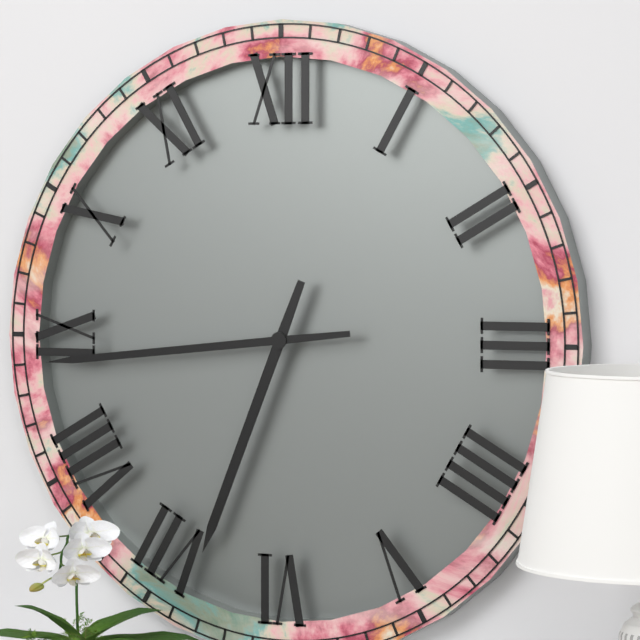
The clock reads **6:44**
